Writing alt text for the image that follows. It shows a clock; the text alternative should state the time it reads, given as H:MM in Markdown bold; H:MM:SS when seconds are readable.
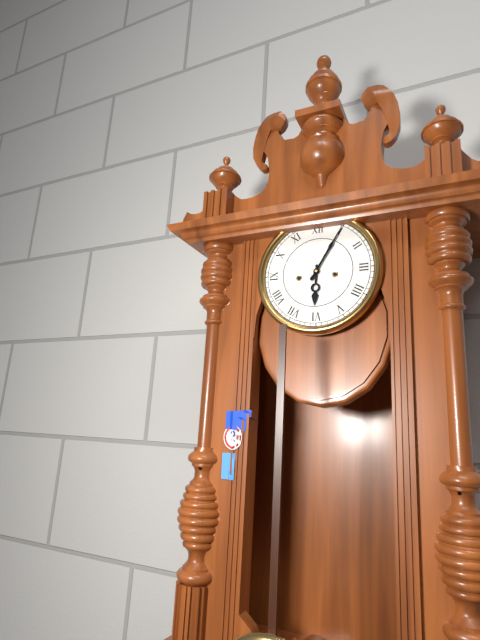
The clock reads **6:05**
